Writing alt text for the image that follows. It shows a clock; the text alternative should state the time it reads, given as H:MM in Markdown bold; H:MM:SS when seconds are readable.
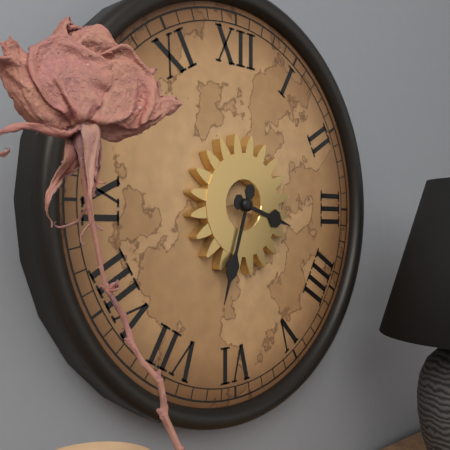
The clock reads **3:33**
